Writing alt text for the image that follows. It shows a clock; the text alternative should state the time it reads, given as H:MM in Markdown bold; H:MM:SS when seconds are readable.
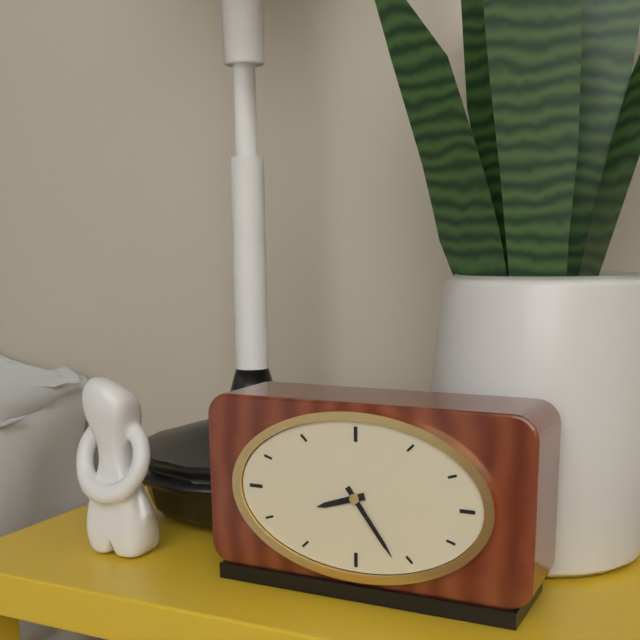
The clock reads **8:24**
